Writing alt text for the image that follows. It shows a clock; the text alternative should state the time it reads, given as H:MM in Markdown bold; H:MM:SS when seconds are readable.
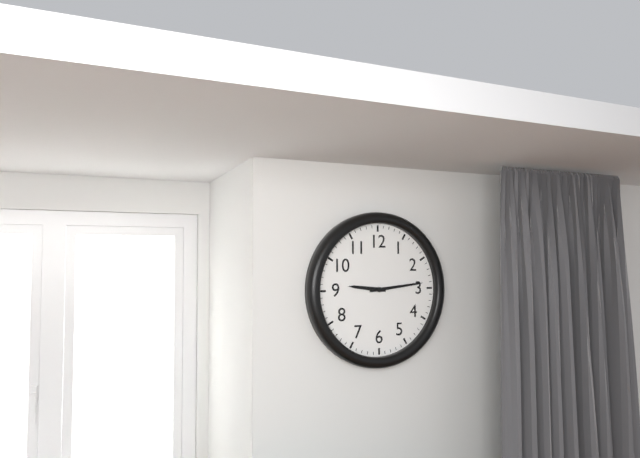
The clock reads **9:14**
